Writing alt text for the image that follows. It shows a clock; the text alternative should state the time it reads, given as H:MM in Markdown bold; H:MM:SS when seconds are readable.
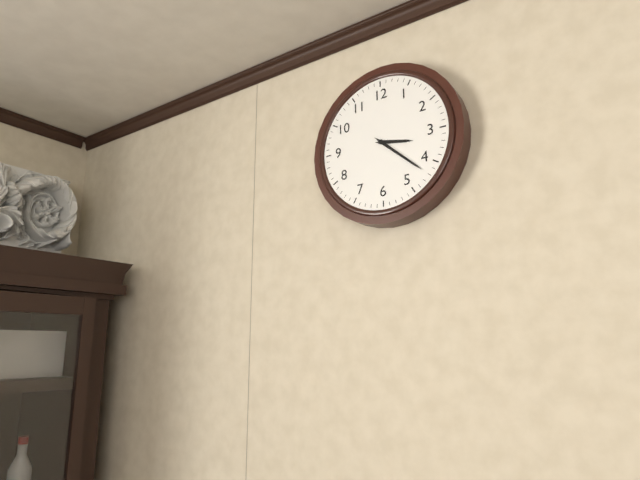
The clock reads **3:22**
